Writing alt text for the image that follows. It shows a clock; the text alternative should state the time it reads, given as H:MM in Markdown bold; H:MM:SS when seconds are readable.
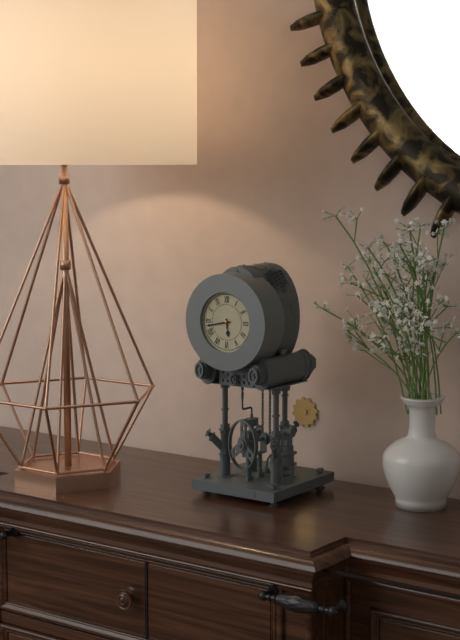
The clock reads **5:43**
